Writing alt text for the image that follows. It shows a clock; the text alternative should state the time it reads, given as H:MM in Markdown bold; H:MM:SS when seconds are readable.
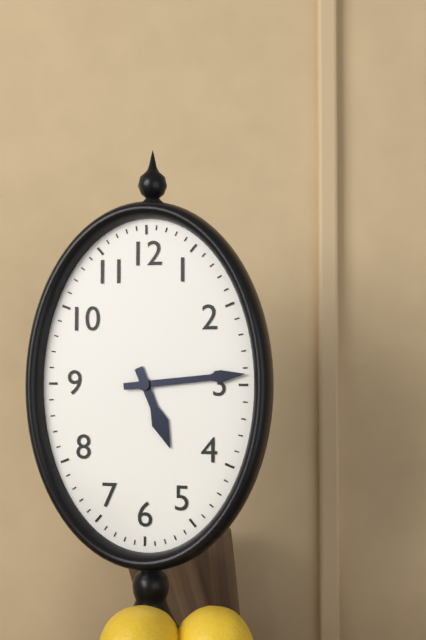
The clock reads **5:14**
